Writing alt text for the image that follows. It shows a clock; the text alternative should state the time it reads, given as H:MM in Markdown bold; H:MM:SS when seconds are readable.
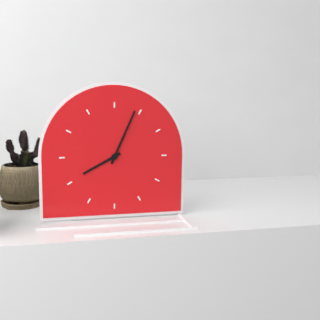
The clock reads **8:04**
